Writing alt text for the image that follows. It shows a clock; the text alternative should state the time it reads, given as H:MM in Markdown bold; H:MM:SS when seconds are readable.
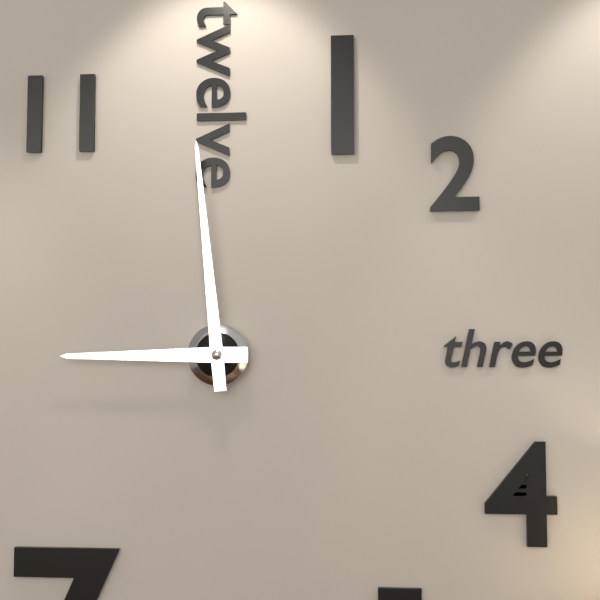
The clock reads **8:59**
